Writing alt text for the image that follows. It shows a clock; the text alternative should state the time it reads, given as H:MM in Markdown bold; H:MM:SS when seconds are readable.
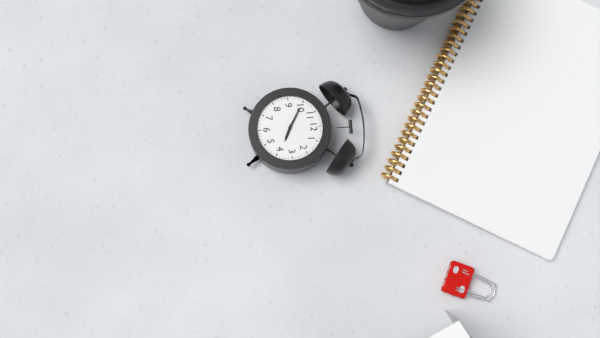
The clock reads **3:50**
